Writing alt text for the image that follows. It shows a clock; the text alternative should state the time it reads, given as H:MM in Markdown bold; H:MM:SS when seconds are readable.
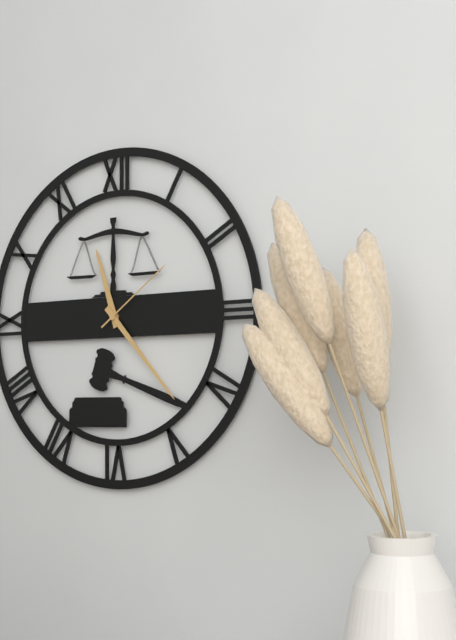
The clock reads **11:23:09**
